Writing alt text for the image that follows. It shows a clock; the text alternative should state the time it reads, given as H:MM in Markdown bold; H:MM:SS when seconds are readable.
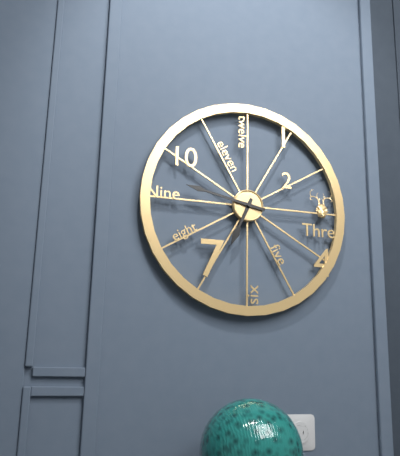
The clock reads **6:47**
